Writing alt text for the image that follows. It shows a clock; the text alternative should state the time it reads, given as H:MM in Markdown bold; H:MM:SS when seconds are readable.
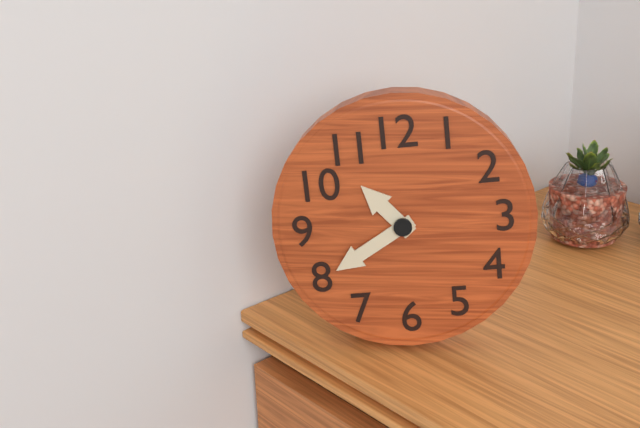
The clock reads **10:40**
